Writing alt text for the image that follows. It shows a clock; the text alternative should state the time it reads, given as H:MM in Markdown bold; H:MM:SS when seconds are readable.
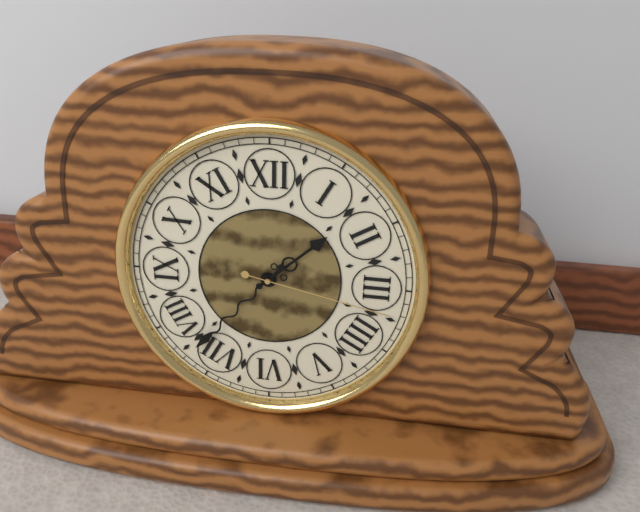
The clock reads **1:37:17**
